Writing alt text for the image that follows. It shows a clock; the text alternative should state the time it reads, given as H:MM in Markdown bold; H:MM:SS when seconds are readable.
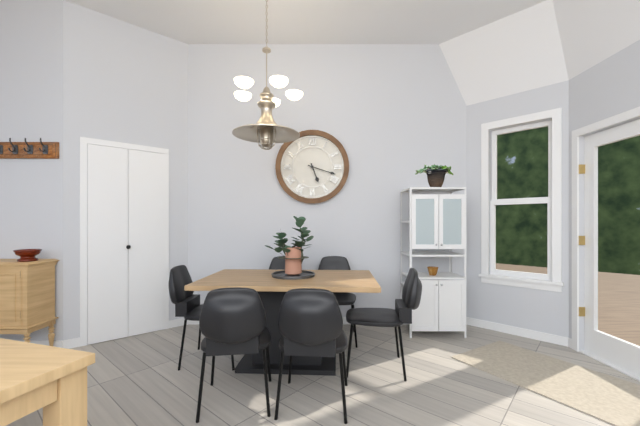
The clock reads **5:18**
